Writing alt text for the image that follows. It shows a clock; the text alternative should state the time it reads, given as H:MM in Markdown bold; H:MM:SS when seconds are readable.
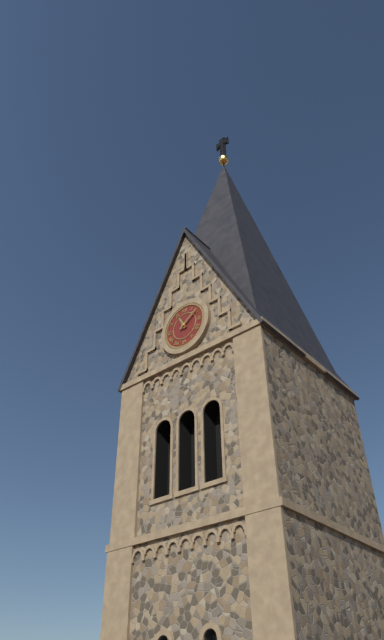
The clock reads **11:09**
